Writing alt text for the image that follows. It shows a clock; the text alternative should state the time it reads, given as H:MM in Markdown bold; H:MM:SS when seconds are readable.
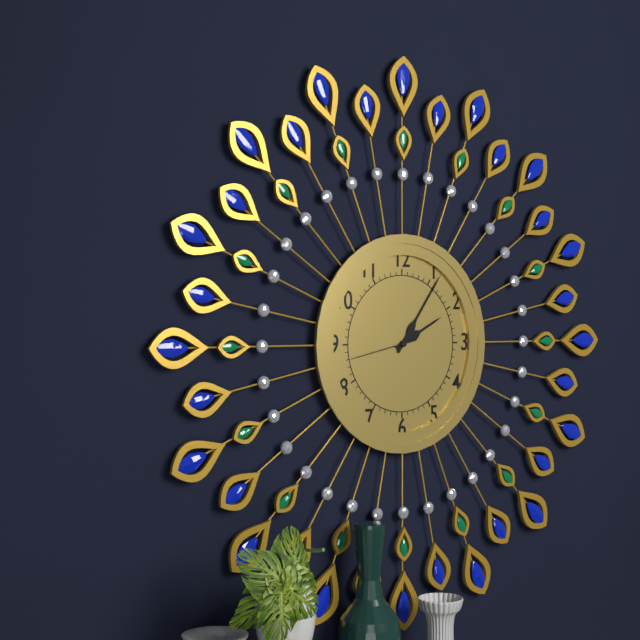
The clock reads **2:06:43**
